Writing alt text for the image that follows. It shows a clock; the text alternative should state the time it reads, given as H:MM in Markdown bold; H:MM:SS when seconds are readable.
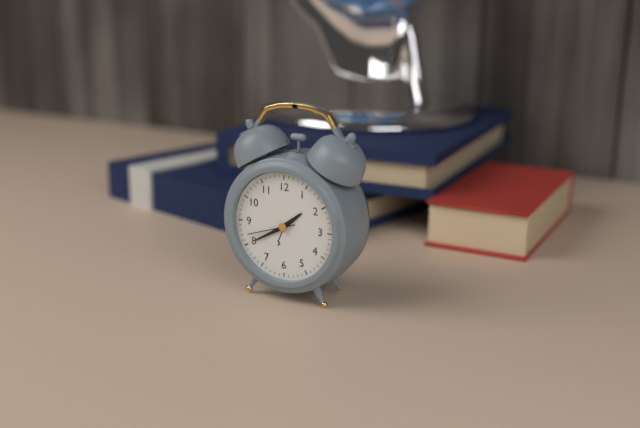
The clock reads **1:40**
